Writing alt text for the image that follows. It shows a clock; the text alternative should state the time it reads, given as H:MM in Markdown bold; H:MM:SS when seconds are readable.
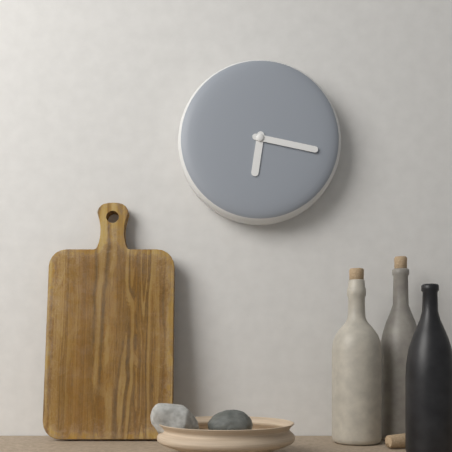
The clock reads **6:17**
